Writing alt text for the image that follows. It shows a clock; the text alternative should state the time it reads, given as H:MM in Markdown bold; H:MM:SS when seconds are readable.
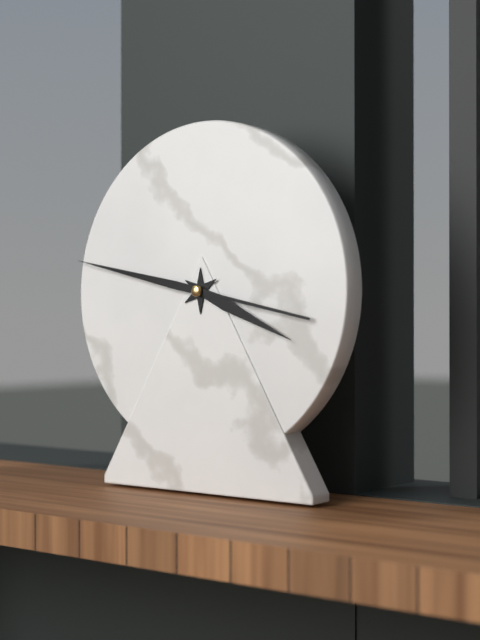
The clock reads **3:47**
